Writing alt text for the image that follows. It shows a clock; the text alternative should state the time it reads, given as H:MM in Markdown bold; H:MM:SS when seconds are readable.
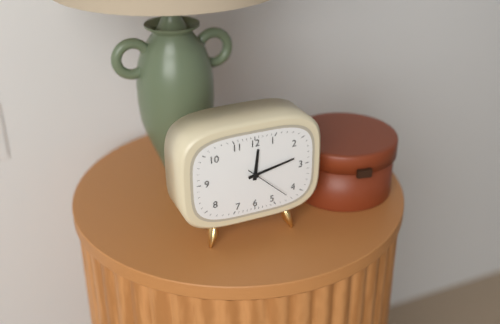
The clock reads **12:13**
